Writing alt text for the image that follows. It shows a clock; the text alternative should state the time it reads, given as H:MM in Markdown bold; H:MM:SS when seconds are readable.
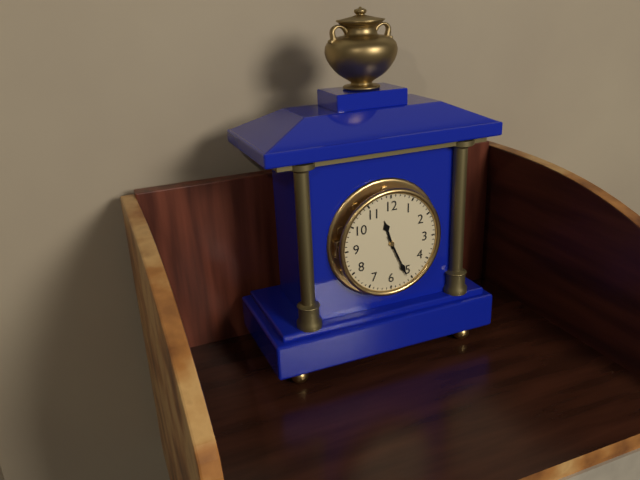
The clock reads **11:26**
